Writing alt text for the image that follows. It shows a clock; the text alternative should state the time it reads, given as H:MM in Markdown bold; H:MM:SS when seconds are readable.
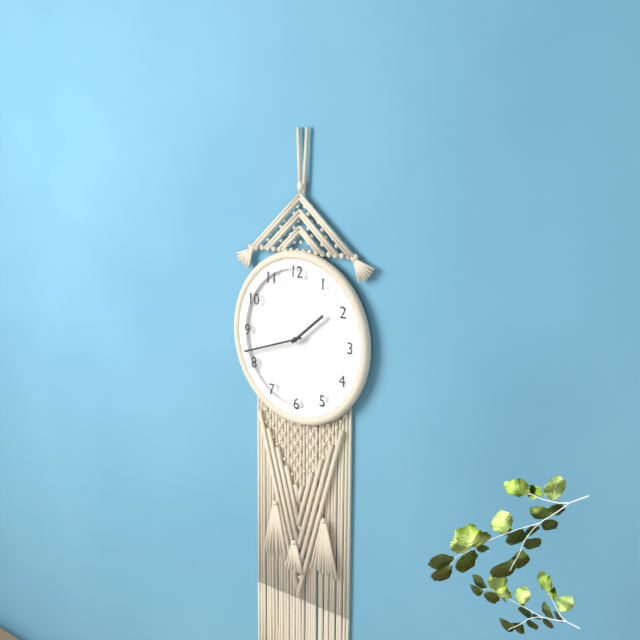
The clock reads **1:42**
